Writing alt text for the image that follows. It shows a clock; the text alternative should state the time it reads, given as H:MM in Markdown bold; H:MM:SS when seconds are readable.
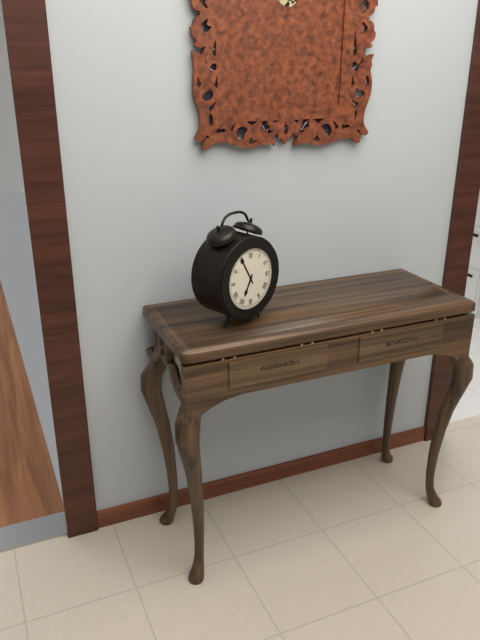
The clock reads **6:55**
